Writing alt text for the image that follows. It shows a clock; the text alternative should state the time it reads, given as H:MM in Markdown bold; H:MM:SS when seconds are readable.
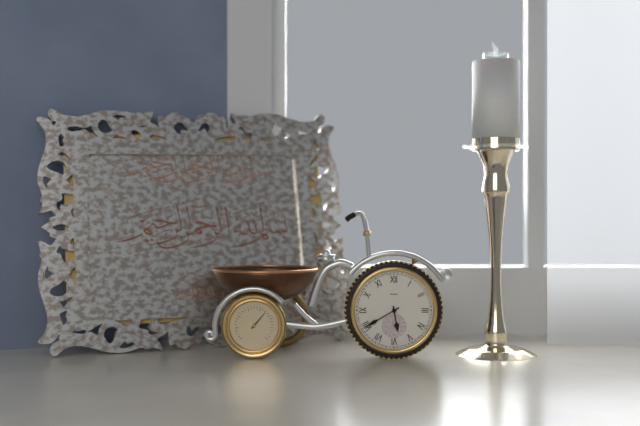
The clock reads **5:40**
